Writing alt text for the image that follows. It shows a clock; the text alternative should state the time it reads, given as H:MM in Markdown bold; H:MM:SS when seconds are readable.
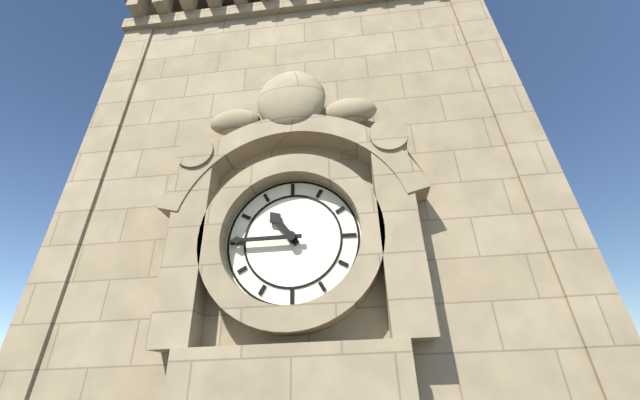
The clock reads **10:45**
